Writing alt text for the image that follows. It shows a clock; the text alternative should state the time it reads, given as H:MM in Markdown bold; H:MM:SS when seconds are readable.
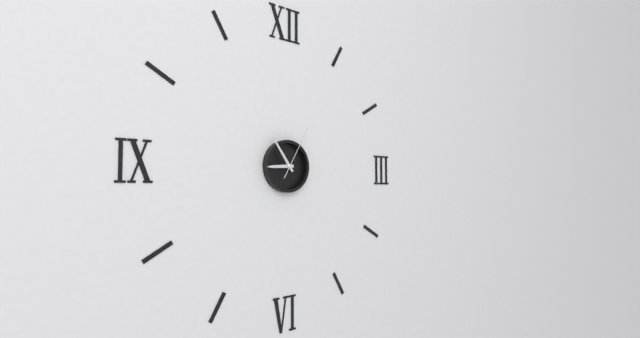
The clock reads **8:54:05**
